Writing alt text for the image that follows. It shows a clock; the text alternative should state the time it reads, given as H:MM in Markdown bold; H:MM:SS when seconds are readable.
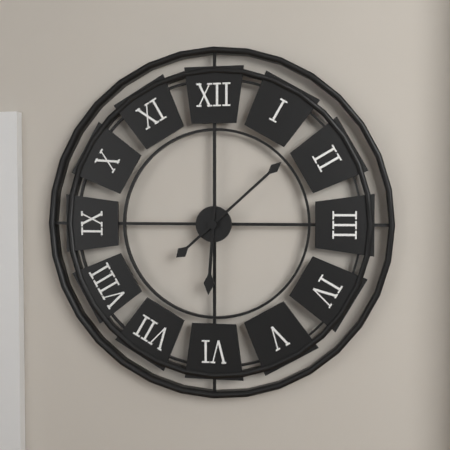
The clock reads **6:08**
